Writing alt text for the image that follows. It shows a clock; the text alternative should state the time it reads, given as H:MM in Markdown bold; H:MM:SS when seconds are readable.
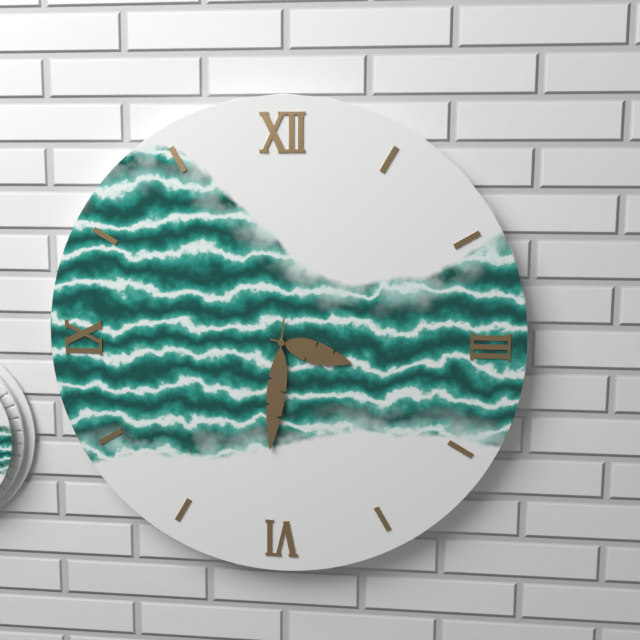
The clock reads **3:31**
